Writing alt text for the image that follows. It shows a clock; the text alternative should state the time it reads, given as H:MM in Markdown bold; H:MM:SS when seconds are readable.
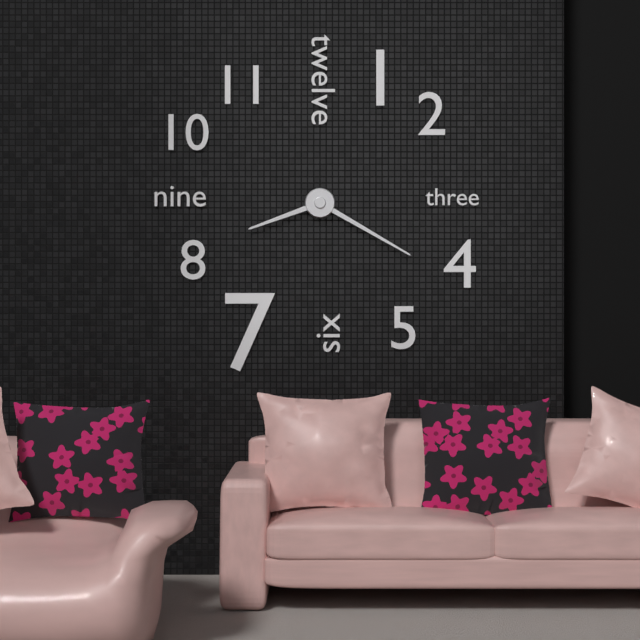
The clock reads **8:20**
